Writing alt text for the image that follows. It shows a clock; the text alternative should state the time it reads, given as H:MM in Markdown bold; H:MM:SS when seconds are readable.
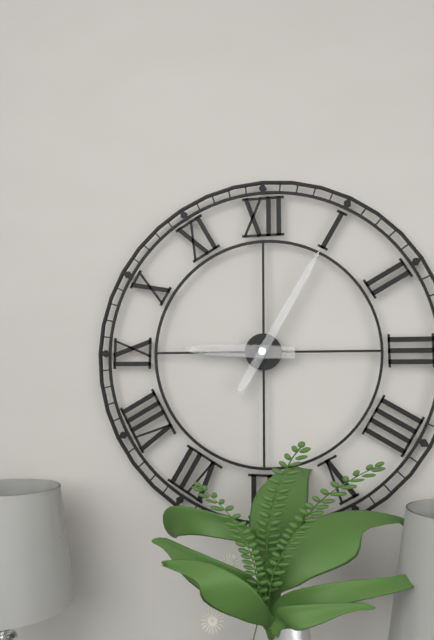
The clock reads **9:05**
